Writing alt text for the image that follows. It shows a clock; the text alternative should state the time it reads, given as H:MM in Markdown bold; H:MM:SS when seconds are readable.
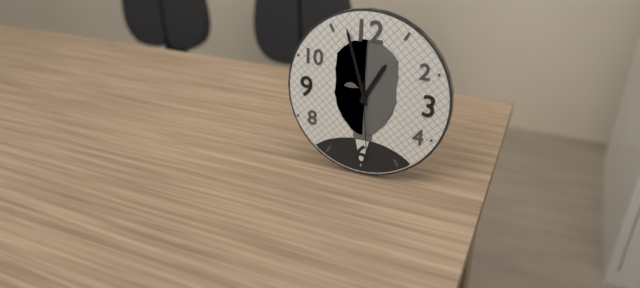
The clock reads **12:57:29**
